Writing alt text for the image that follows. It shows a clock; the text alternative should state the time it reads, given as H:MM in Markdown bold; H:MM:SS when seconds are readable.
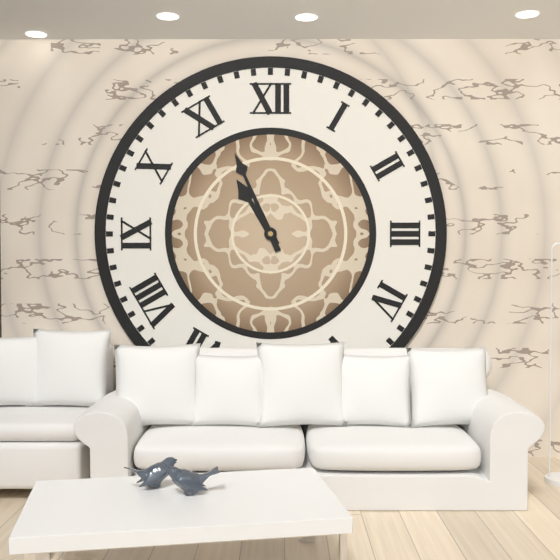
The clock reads **10:56**
